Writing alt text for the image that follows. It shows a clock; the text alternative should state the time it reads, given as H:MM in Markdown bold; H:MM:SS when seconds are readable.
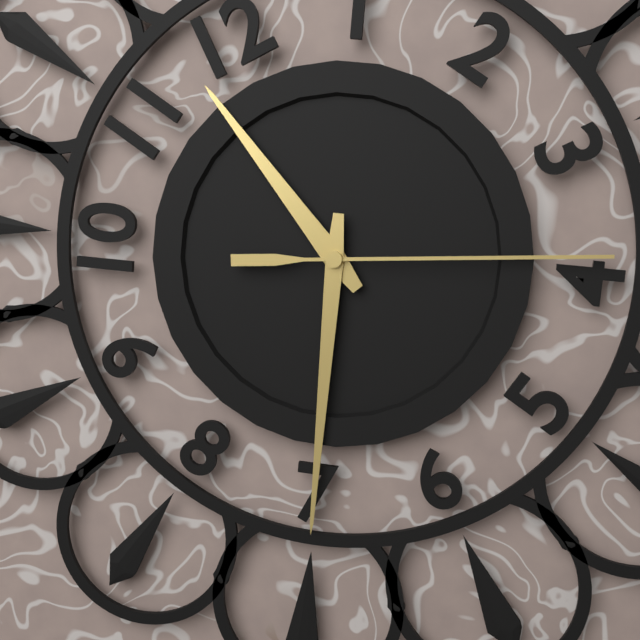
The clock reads **11:35:19**
